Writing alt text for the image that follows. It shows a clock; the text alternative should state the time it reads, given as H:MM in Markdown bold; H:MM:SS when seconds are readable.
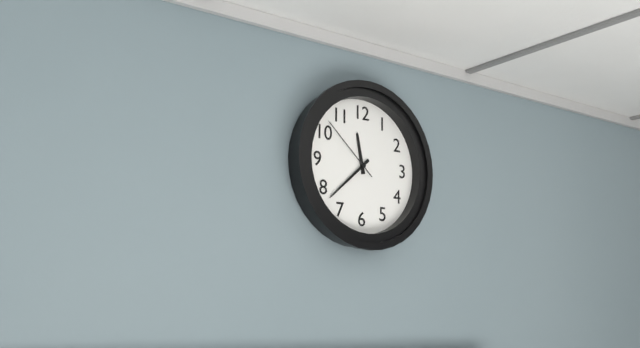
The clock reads **11:38:52**
